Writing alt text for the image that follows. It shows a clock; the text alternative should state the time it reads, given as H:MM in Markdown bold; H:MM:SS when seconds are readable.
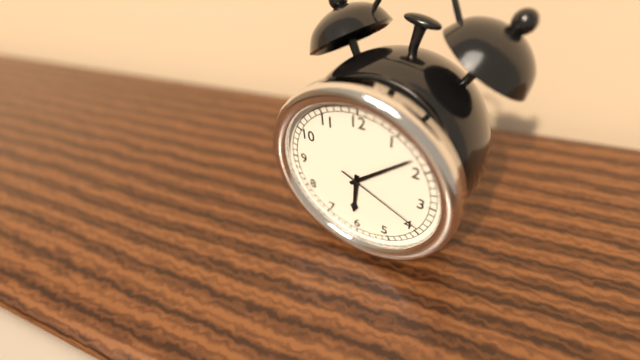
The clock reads **6:08:19**
